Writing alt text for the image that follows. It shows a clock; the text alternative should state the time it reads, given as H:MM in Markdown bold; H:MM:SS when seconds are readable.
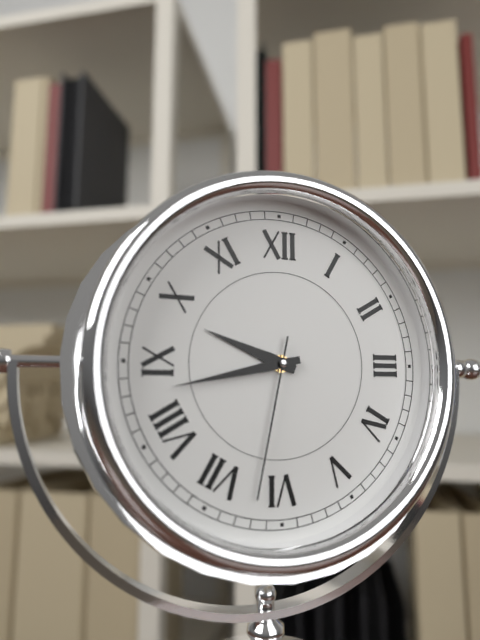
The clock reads **9:43:32**
